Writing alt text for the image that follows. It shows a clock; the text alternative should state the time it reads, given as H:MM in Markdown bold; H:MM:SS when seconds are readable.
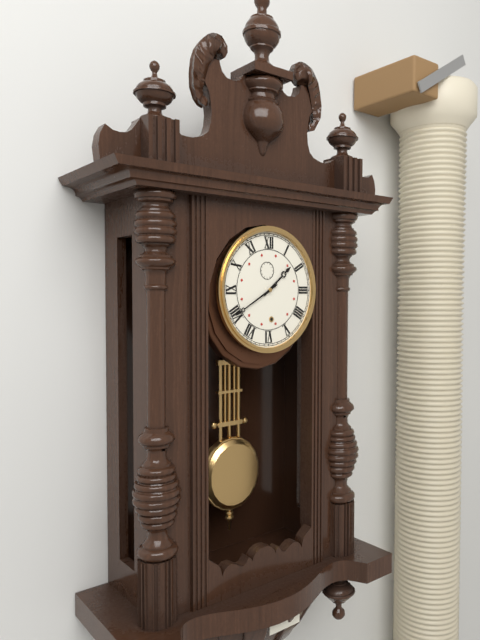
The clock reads **1:40**
